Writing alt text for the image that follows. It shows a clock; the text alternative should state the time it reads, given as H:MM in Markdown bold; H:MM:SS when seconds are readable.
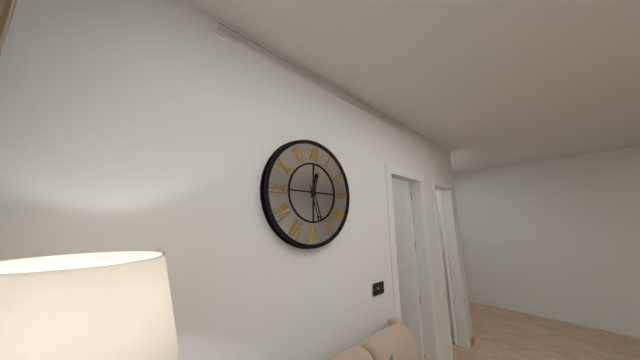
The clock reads **12:27**
